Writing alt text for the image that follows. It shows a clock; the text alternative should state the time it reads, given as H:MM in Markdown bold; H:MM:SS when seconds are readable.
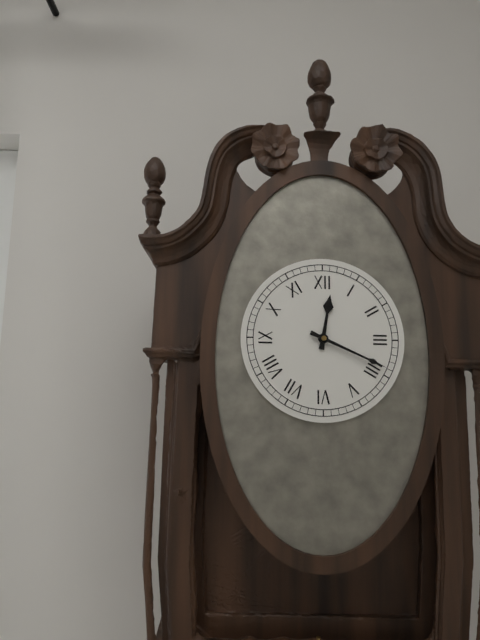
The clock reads **12:19**
